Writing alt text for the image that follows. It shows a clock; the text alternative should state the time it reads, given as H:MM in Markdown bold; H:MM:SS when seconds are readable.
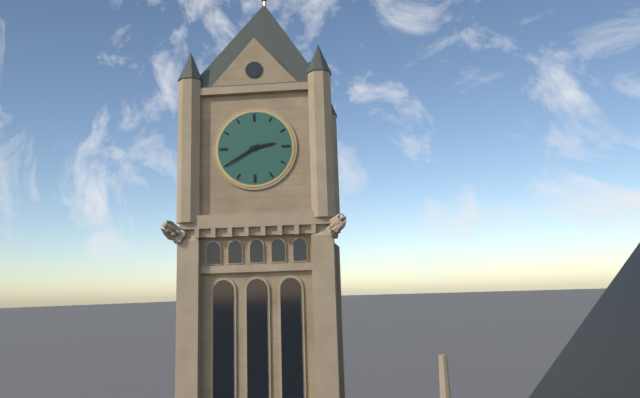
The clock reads **2:40**
